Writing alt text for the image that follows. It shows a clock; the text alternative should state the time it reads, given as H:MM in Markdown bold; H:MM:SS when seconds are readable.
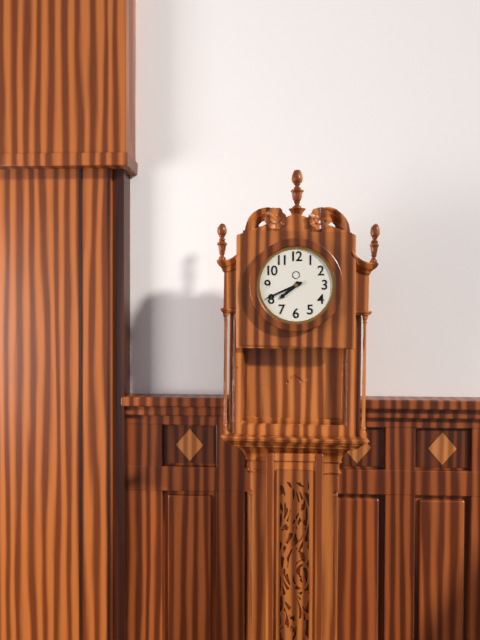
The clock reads **7:41**
